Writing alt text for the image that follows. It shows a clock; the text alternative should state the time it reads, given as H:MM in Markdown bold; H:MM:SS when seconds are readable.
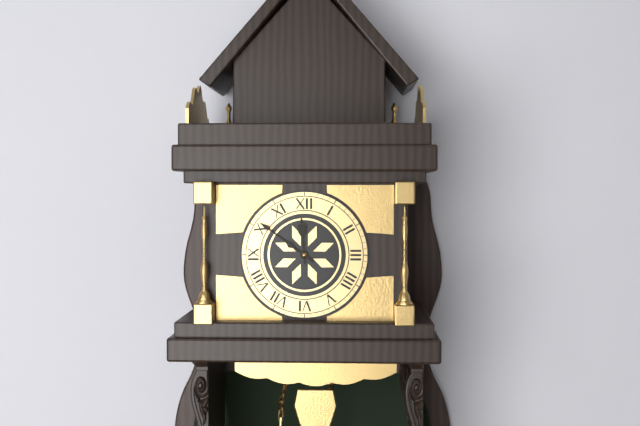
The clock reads **11:51**
